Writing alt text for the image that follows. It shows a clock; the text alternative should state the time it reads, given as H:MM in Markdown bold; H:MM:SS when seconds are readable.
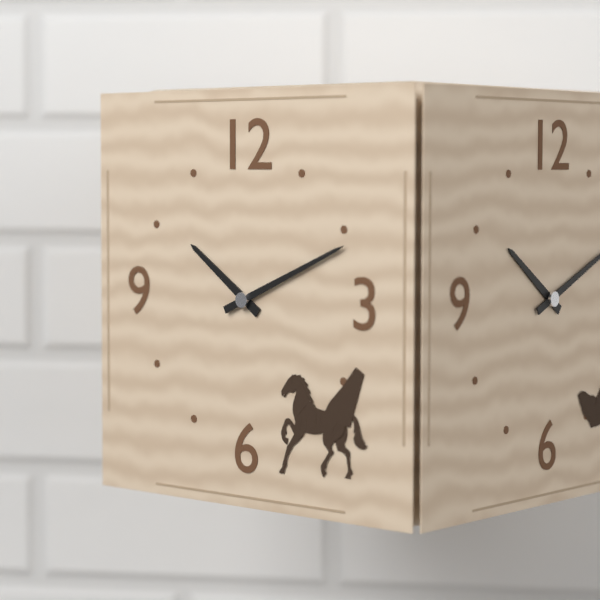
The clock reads **10:11**
